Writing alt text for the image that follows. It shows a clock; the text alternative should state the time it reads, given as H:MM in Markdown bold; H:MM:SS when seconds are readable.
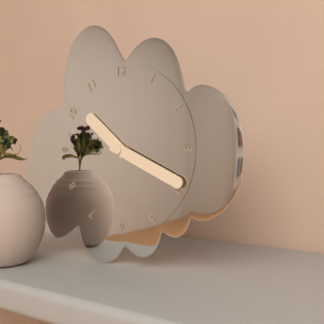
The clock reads **10:19**
